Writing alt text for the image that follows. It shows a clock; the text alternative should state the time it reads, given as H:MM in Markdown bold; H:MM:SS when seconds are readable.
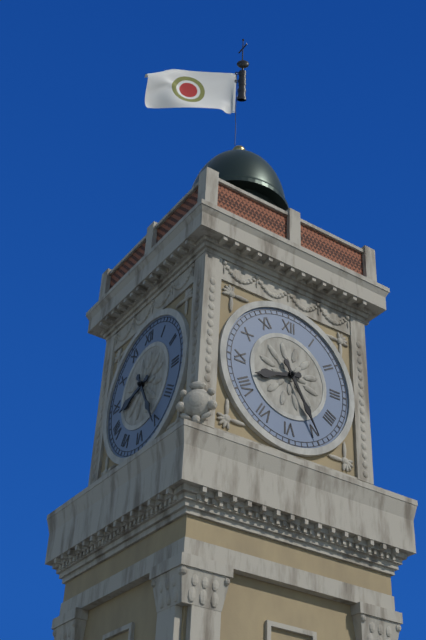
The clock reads **8:25**
